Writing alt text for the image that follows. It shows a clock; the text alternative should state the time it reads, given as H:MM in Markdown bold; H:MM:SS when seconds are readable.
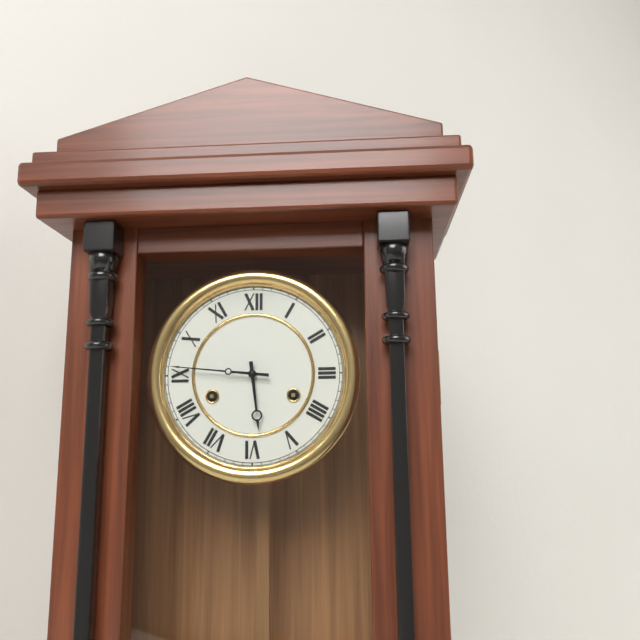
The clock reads **5:46**
